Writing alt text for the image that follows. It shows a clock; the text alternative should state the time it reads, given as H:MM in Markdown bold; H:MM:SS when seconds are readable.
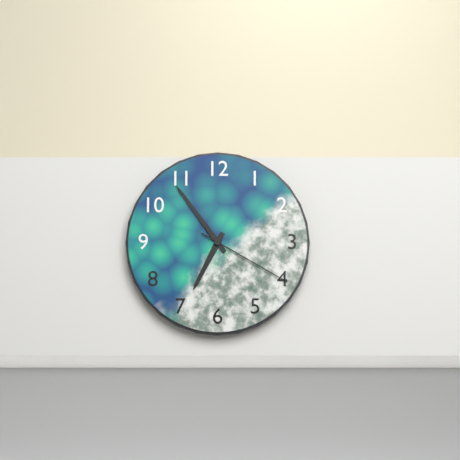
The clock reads **6:54:20**
